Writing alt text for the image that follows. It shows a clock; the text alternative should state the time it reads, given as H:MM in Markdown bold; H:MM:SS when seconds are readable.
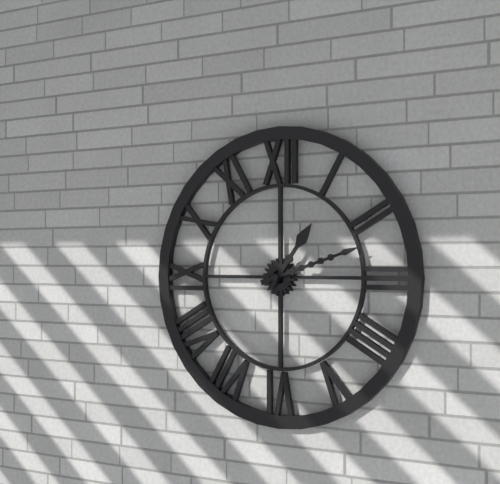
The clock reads **1:12**
